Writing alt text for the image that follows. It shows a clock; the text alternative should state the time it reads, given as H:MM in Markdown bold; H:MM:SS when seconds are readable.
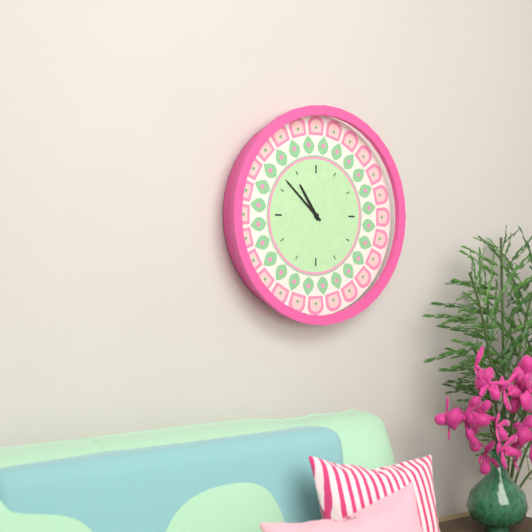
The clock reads **10:52**
